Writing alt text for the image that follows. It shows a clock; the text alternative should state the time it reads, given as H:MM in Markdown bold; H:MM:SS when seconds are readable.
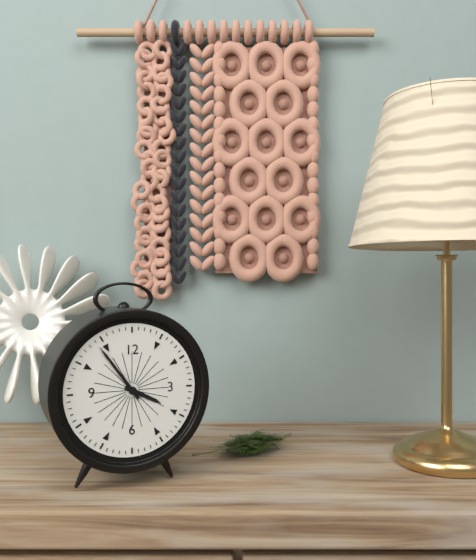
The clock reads **3:54**
